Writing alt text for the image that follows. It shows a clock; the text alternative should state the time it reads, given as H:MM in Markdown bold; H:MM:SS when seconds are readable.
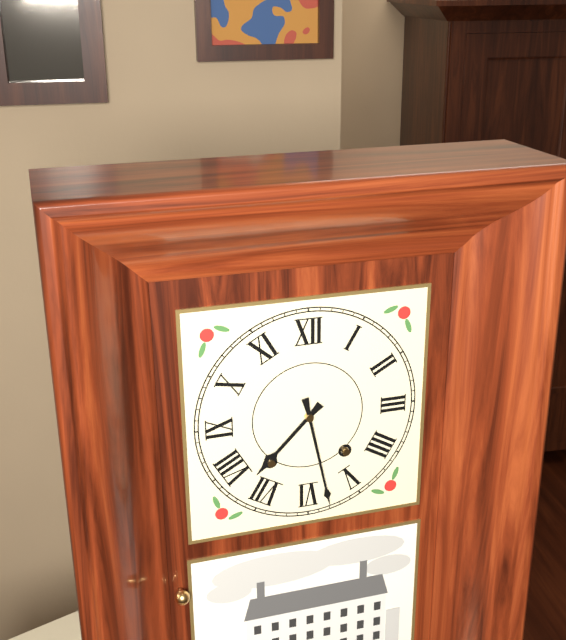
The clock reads **7:28**
